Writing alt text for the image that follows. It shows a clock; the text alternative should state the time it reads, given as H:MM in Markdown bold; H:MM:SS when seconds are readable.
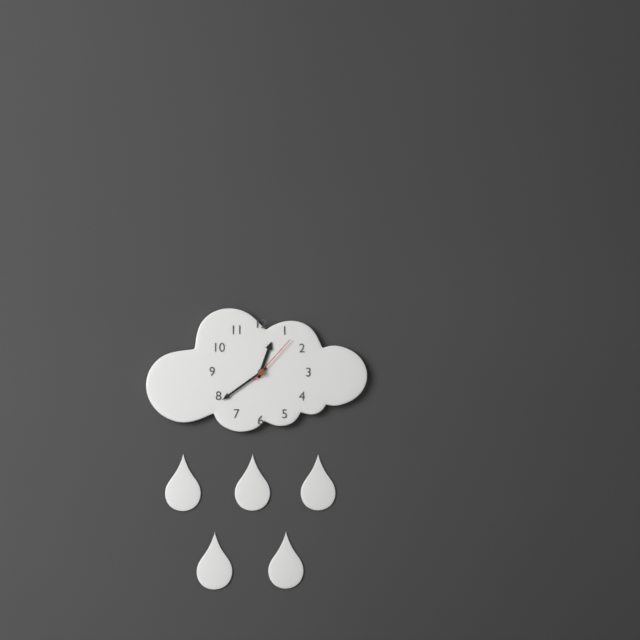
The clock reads **12:39:07**
